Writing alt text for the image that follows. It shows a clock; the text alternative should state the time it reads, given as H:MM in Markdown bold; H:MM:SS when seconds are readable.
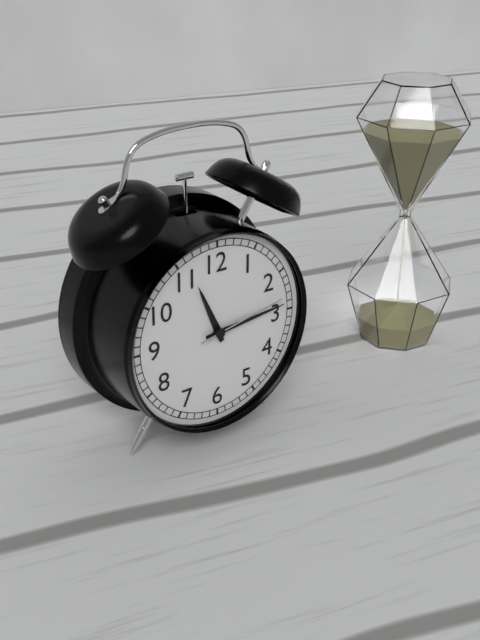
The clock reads **11:14:13**
